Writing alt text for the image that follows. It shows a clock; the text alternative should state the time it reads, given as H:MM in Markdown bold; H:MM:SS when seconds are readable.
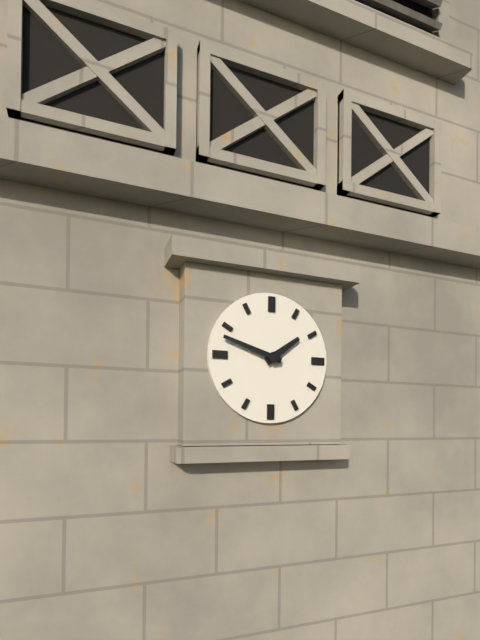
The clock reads **1:48**
